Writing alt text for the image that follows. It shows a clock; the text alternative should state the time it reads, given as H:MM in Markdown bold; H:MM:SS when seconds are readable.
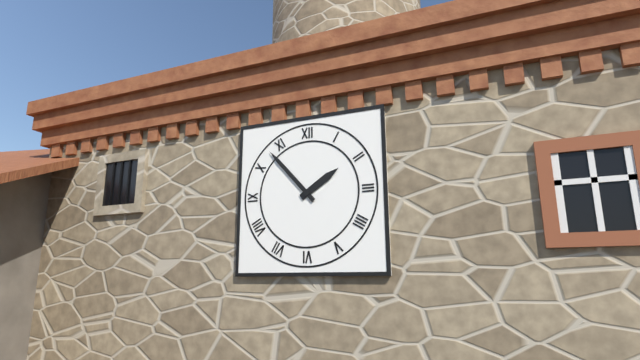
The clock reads **1:53**
